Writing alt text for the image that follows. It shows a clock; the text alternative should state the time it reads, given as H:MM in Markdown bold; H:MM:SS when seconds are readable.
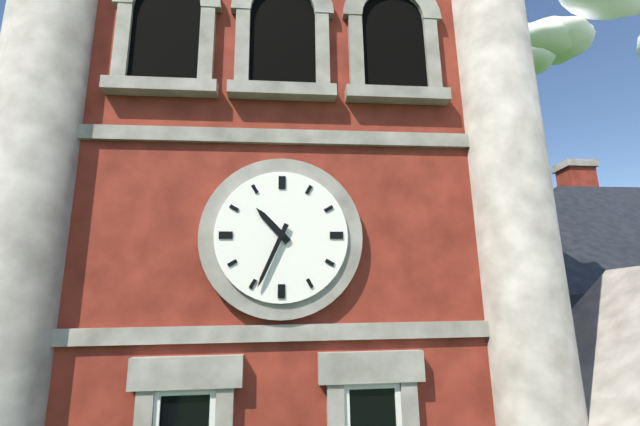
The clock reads **10:34**
